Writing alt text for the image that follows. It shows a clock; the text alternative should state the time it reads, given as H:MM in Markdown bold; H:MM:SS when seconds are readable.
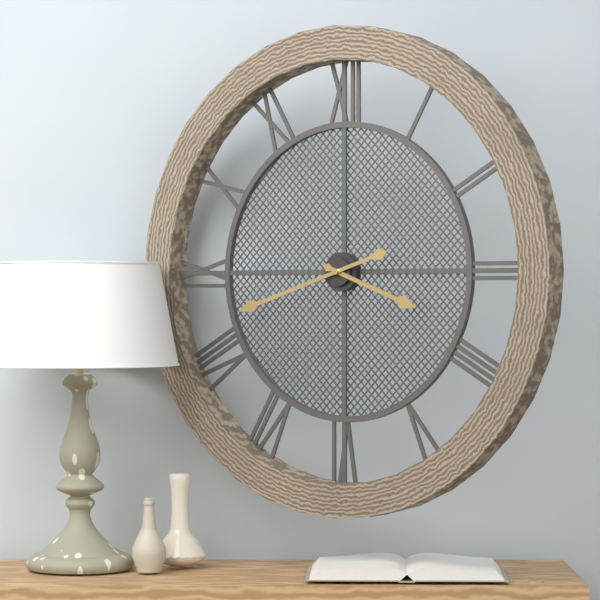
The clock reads **3:42**
